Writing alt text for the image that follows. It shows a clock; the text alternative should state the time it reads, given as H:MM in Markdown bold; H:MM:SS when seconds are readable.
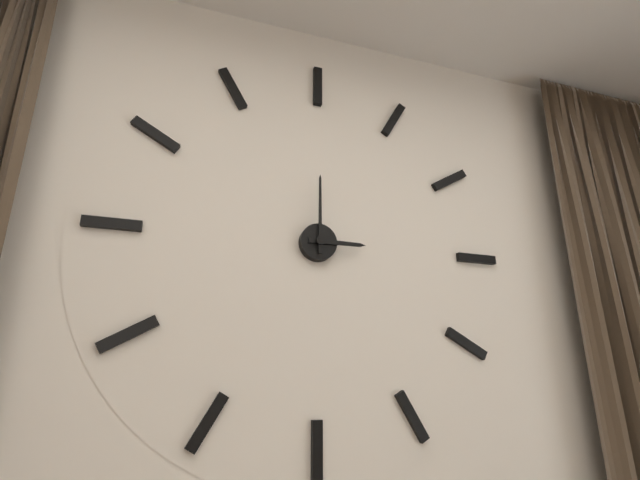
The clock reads **3:00**
